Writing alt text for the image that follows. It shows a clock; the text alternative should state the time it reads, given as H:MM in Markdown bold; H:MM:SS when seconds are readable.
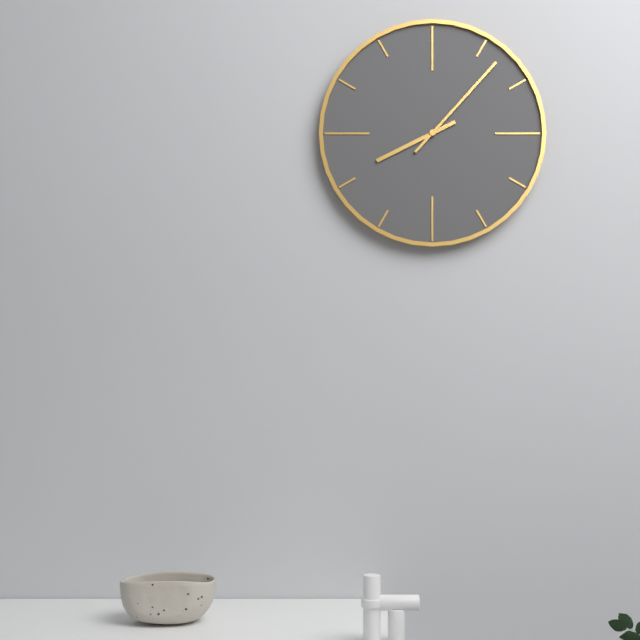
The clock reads **8:07**
